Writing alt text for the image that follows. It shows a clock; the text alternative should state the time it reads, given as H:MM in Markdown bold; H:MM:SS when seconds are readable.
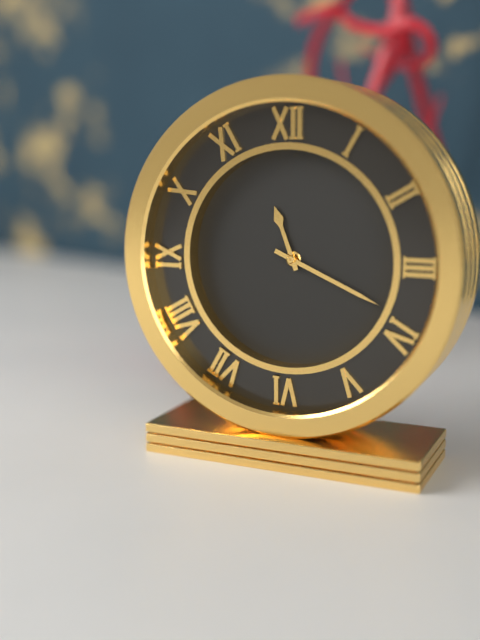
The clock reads **11:19**
